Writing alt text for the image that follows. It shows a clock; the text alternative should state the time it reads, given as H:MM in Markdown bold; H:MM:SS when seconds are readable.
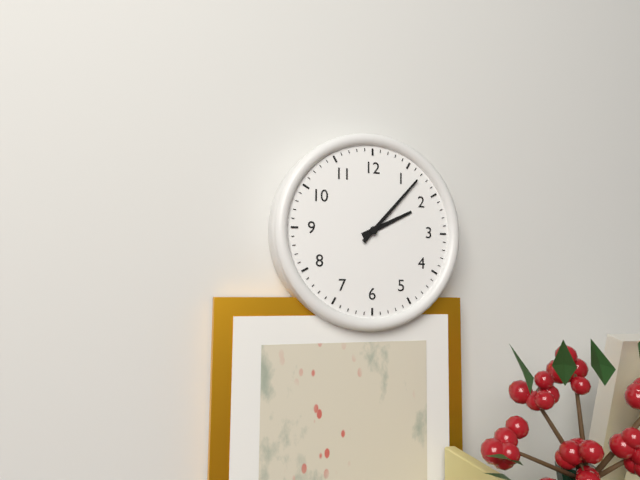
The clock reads **2:07**
